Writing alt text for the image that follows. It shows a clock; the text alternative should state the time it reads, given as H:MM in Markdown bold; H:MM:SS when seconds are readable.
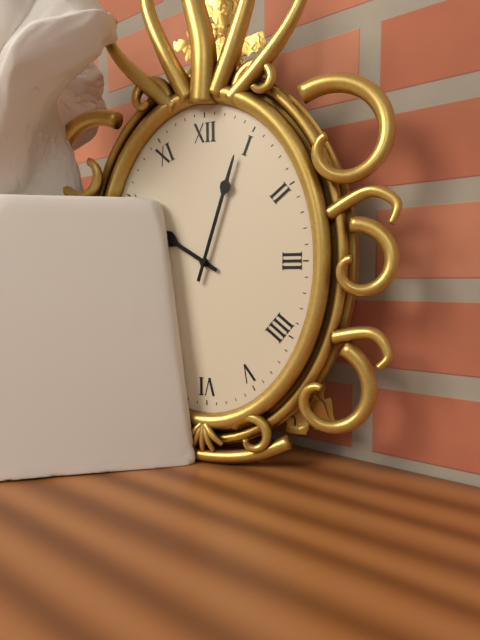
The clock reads **10:03**
